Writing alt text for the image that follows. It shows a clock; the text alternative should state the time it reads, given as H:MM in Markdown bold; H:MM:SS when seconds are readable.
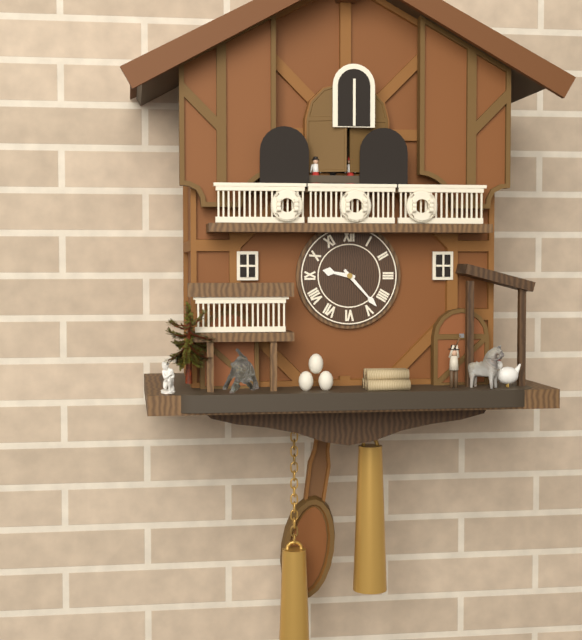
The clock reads **9:23**
